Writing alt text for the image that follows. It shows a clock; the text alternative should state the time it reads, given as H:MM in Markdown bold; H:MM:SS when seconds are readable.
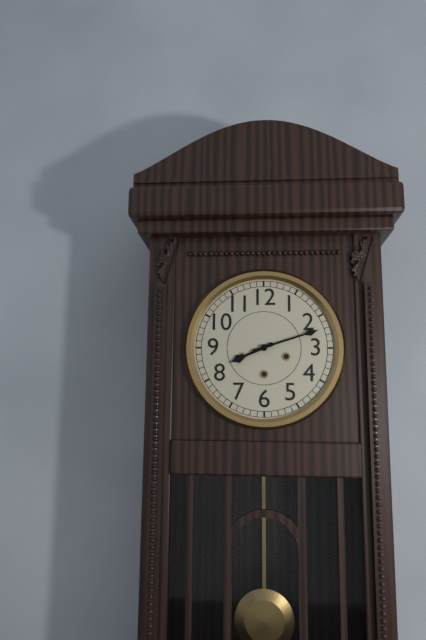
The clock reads **8:12**
